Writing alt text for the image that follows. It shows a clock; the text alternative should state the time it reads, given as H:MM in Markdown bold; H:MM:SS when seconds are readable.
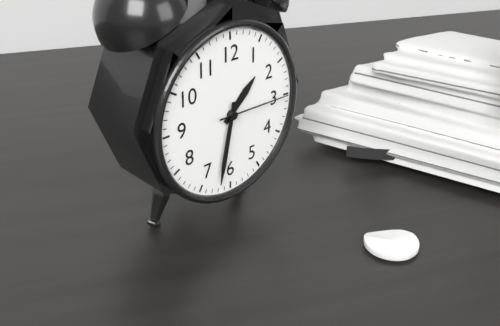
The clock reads **1:32:15**
